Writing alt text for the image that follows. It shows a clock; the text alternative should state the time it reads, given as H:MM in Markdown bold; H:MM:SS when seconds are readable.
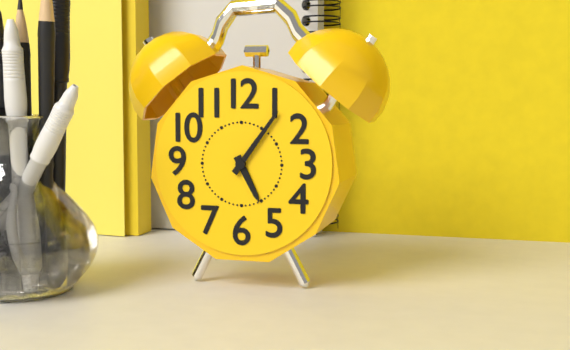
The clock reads **5:06**
